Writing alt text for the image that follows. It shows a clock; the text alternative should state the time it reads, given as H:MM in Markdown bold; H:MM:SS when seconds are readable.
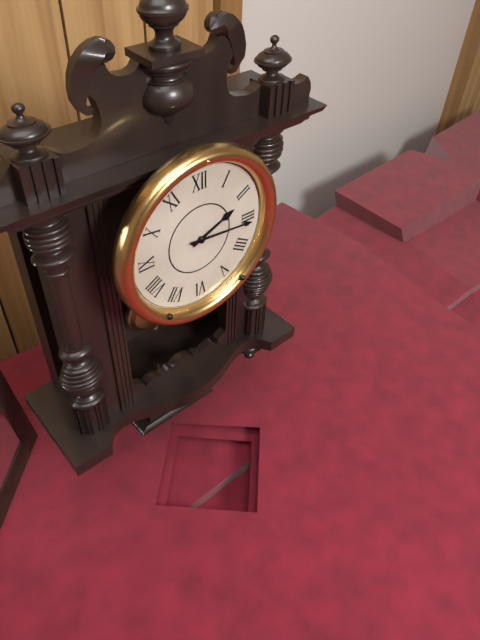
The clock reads **2:16**
